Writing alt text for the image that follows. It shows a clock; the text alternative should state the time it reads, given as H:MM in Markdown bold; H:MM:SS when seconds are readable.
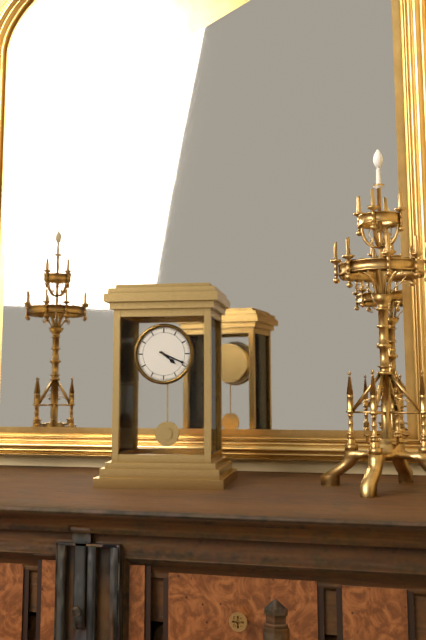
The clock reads **4:19**
